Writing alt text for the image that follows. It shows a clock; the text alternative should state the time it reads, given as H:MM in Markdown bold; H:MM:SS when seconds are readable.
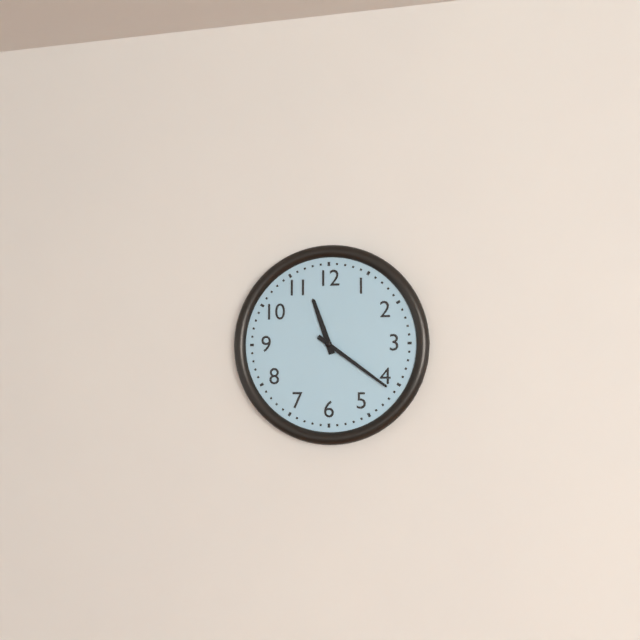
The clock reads **11:21**
